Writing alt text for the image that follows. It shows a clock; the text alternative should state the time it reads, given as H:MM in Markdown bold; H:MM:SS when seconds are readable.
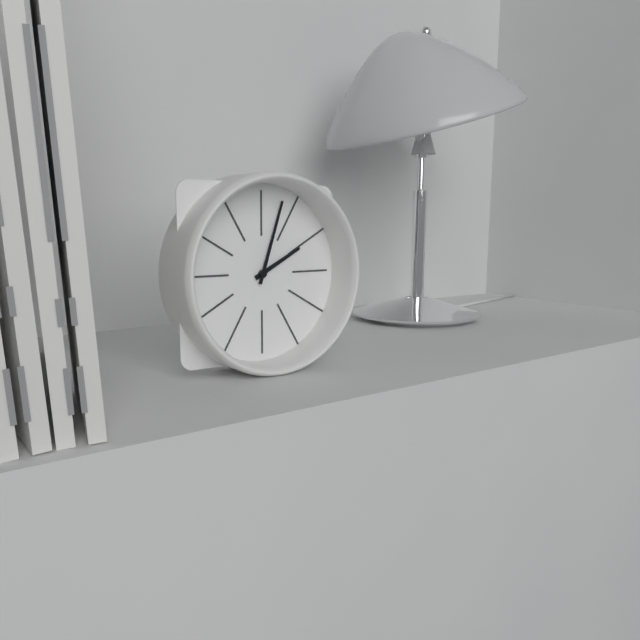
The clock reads **2:03**
